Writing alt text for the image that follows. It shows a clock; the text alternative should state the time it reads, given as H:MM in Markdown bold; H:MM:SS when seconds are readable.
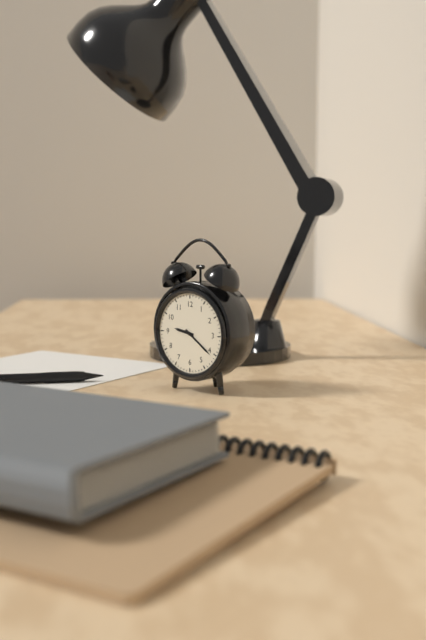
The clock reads **9:21**
